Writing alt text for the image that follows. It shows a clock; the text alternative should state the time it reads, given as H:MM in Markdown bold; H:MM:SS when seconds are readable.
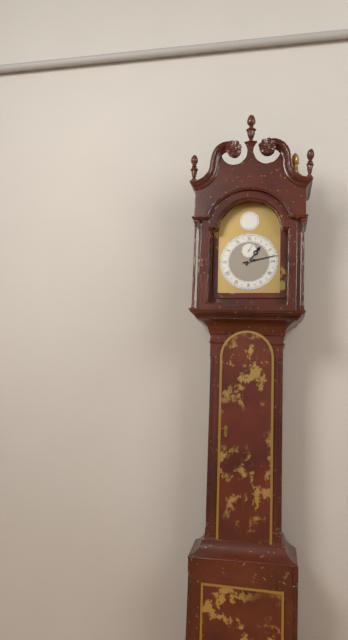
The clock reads **1:13**
